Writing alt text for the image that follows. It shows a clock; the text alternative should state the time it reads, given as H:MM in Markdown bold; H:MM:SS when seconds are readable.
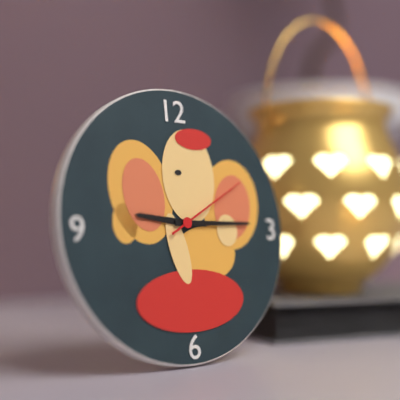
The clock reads **9:15:10**
